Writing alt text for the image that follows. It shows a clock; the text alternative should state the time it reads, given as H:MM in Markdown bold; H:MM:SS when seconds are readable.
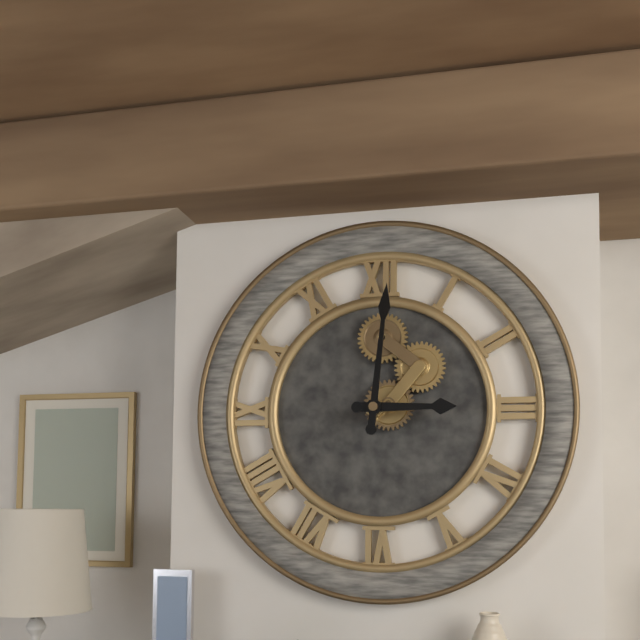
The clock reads **3:01**
